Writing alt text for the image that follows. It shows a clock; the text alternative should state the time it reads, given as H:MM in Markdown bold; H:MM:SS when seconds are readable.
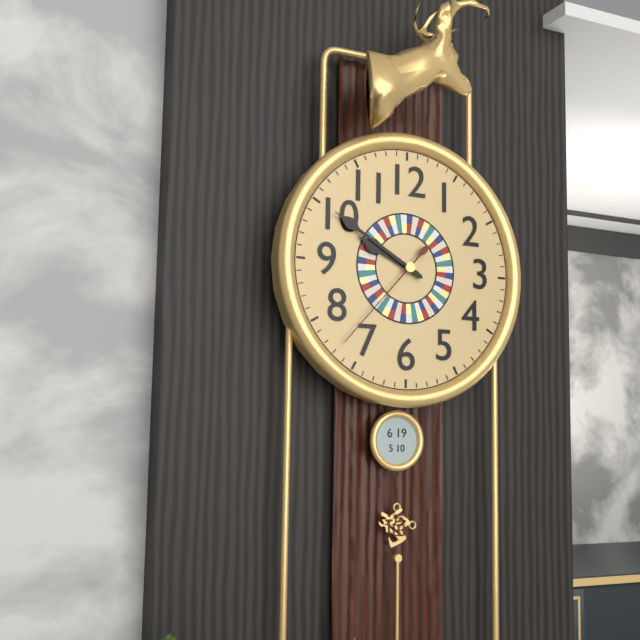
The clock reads **9:50:37**
